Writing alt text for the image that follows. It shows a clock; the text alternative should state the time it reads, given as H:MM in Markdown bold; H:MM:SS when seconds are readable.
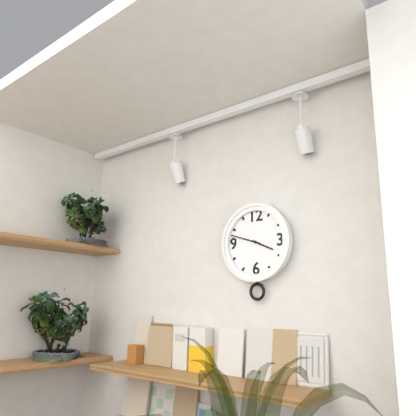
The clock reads **3:48**
